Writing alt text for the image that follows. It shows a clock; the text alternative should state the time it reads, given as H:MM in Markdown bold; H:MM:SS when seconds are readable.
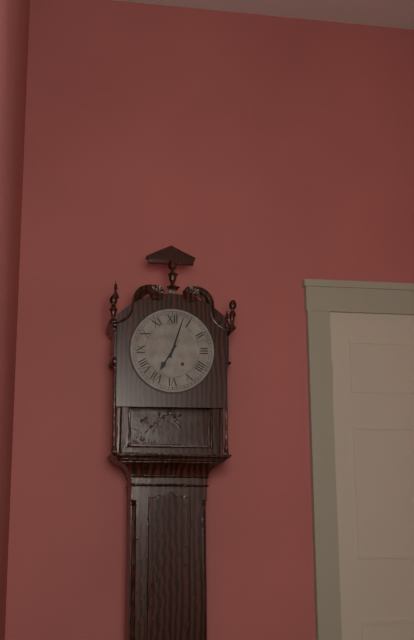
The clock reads **7:03**
